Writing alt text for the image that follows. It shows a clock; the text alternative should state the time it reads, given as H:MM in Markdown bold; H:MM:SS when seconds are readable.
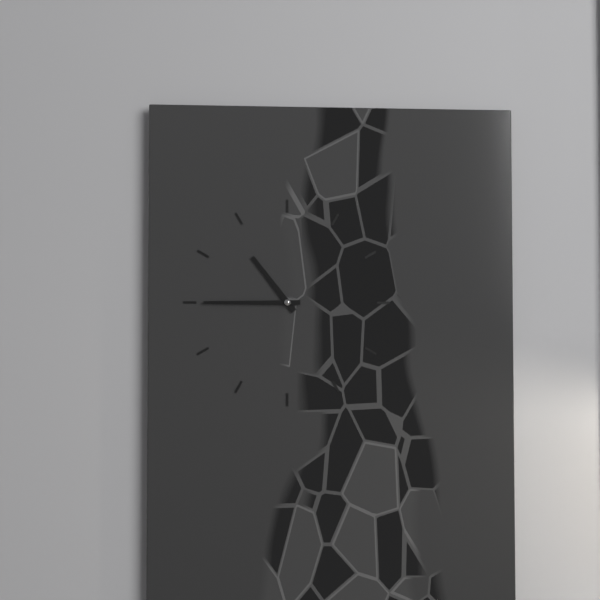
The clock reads **10:45**
